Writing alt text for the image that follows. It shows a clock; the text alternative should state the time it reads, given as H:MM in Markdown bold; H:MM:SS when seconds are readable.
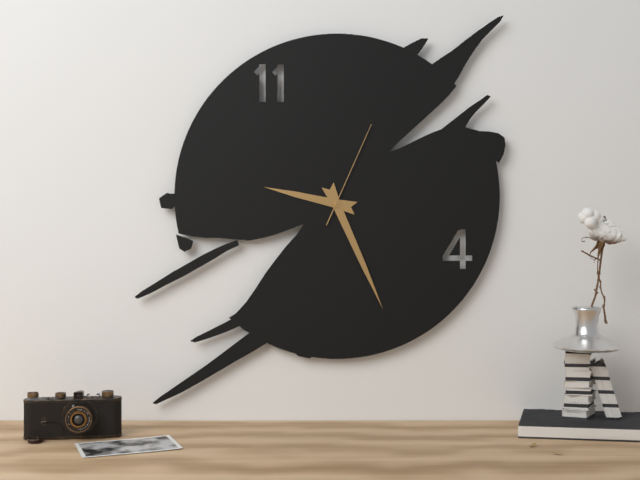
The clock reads **9:26:04**
